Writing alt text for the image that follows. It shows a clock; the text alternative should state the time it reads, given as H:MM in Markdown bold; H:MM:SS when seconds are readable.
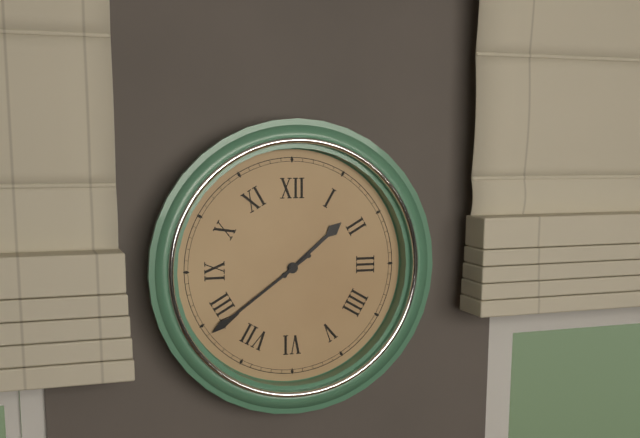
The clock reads **1:39**
